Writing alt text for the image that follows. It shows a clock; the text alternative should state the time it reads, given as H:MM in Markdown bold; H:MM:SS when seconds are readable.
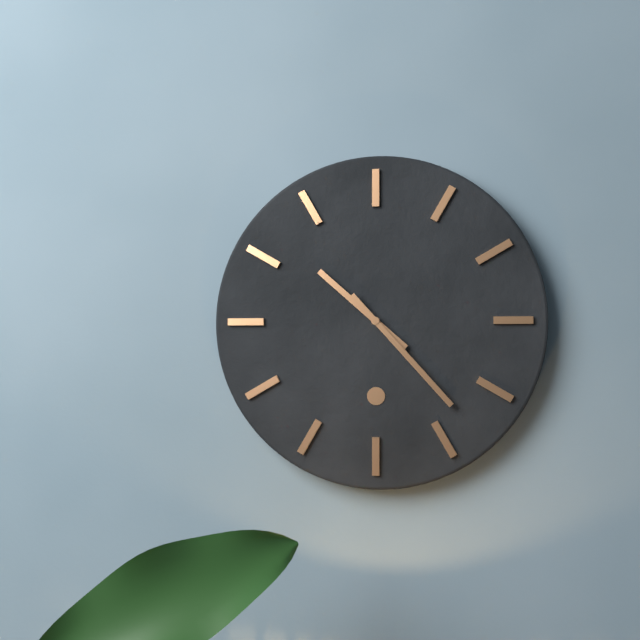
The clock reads **10:23**
